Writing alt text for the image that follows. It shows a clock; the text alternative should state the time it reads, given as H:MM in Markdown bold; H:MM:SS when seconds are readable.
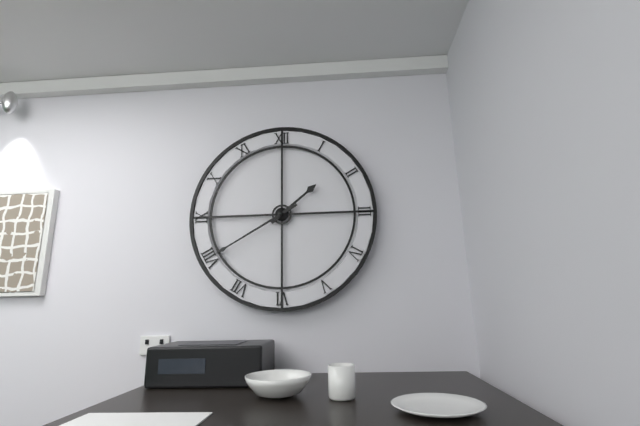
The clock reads **1:40**
